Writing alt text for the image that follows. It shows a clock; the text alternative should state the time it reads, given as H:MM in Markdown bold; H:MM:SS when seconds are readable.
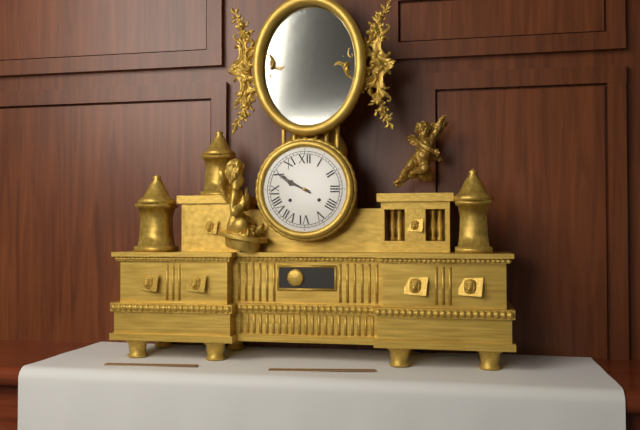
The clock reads **9:50**
